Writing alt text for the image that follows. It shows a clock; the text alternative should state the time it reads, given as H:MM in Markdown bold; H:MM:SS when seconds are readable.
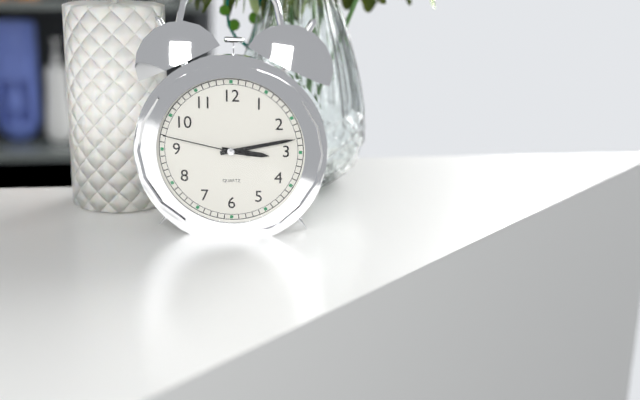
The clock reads **3:13:47**
